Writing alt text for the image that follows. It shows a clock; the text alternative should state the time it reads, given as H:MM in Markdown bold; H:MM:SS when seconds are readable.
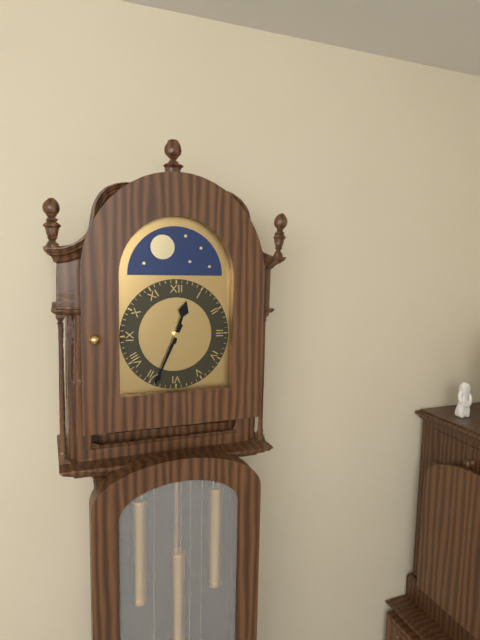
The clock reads **12:34**
